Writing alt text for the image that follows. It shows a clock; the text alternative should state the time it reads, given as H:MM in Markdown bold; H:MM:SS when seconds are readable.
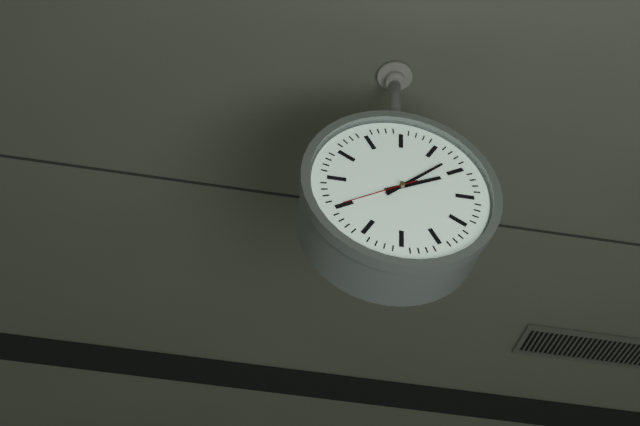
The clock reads **2:08:40**
